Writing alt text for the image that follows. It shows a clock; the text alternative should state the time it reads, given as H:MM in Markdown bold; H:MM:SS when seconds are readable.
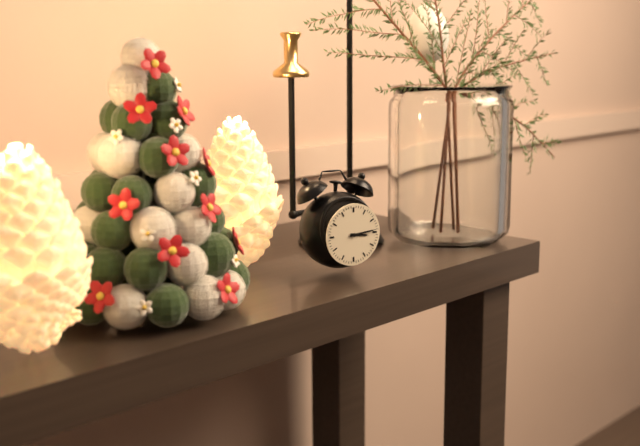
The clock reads **3:14**
